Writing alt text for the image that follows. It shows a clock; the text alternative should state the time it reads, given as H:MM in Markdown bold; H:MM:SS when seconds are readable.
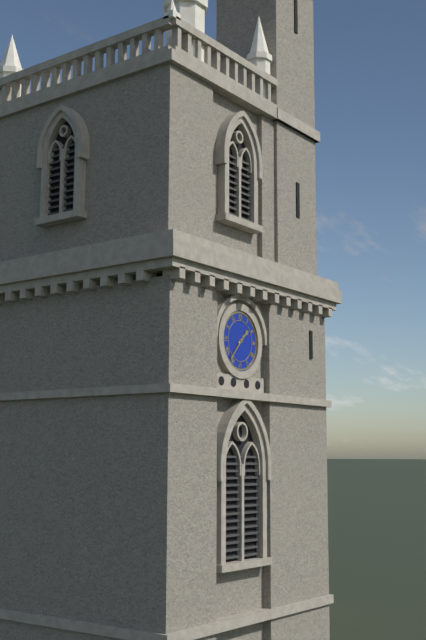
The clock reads **1:37**
